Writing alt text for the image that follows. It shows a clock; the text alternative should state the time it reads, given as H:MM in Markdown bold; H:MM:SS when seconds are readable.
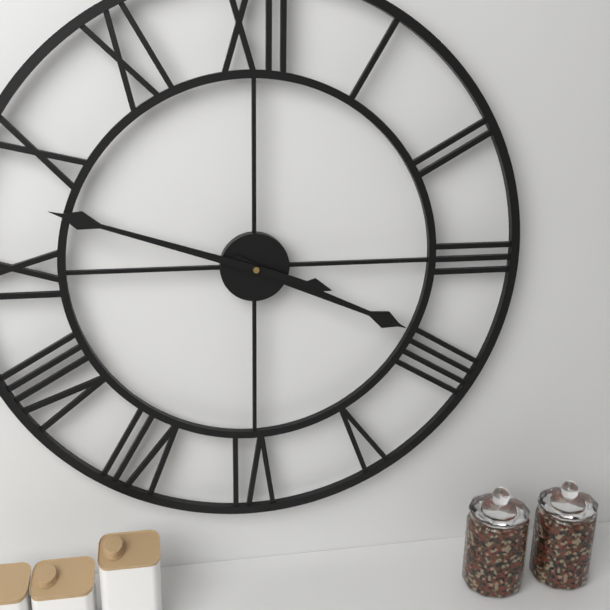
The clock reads **3:48**
